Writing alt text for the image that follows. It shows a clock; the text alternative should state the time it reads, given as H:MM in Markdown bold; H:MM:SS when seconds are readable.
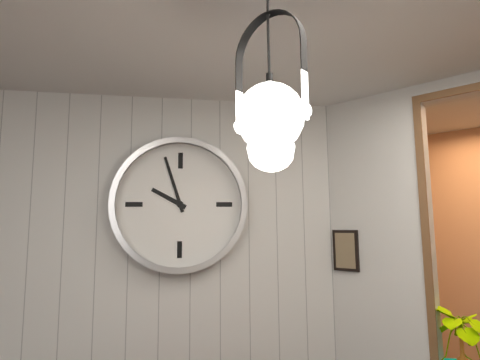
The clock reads **9:57**
